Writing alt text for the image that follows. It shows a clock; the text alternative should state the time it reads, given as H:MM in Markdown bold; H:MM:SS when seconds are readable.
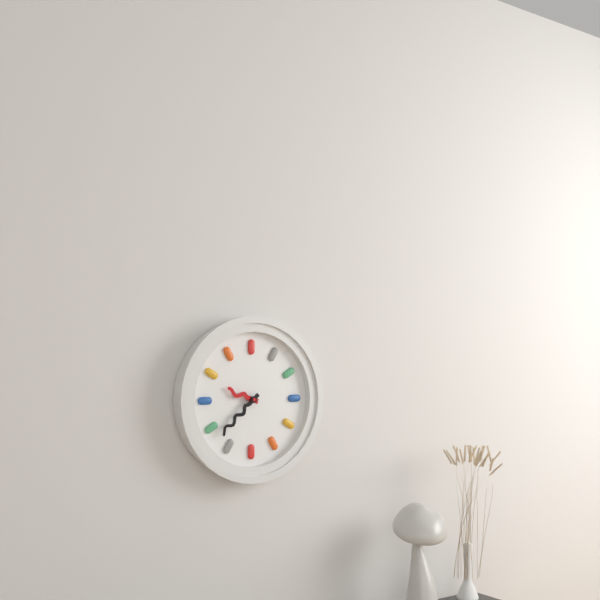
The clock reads **9:38**
